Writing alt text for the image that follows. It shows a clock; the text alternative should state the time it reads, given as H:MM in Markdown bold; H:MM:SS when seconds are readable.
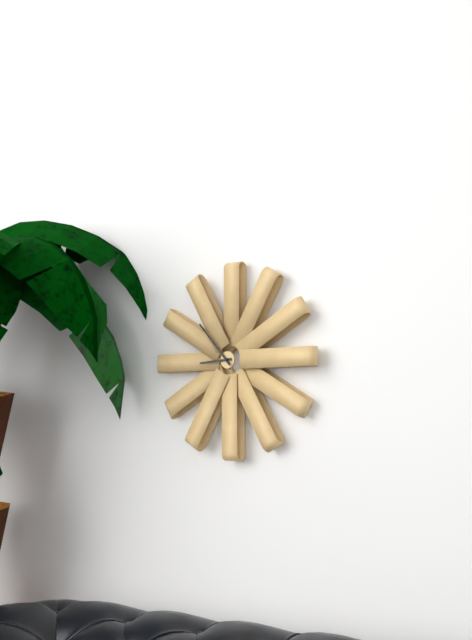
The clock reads **8:53**
